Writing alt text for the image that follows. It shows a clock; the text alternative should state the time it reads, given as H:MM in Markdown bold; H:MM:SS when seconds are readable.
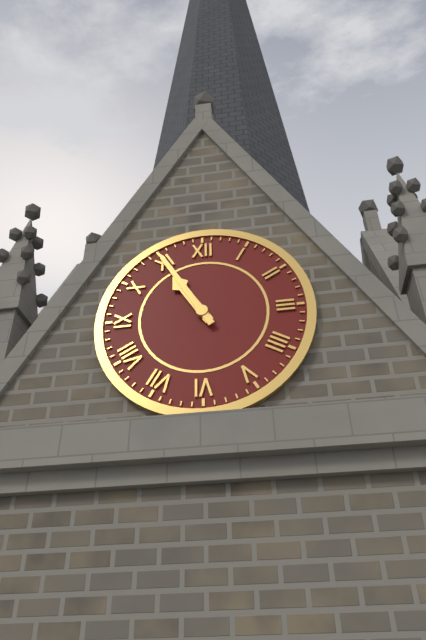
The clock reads **10:55**
